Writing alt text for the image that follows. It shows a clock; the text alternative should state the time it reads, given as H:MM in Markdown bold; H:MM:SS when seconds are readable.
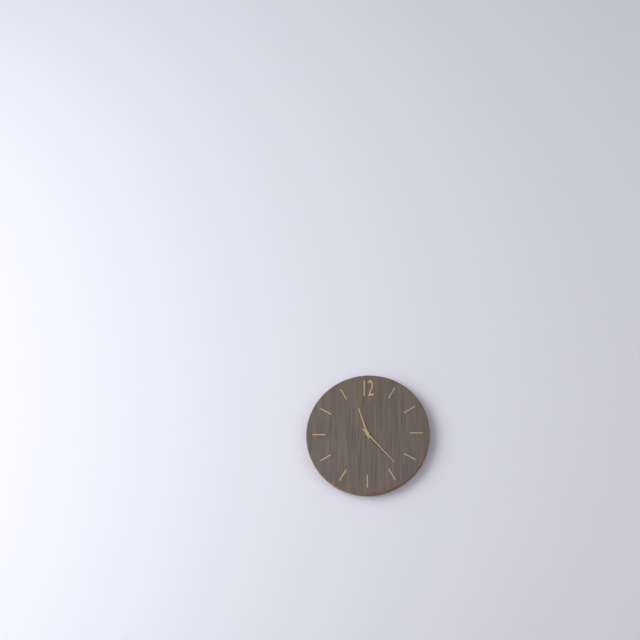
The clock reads **11:23**
